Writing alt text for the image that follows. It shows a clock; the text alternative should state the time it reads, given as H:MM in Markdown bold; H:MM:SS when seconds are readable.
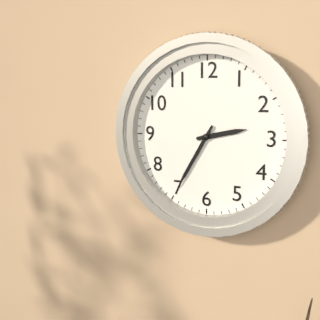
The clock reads **2:35**
